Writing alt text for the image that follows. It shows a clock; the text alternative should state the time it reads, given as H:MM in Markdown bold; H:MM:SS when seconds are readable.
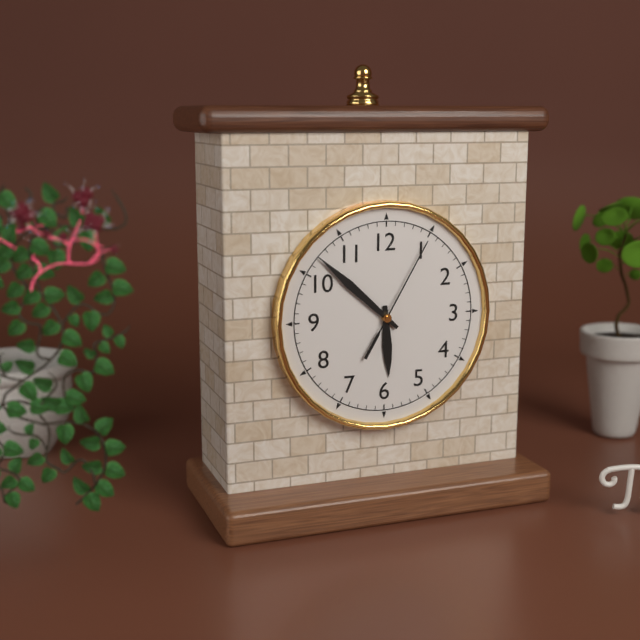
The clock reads **5:52:05**
